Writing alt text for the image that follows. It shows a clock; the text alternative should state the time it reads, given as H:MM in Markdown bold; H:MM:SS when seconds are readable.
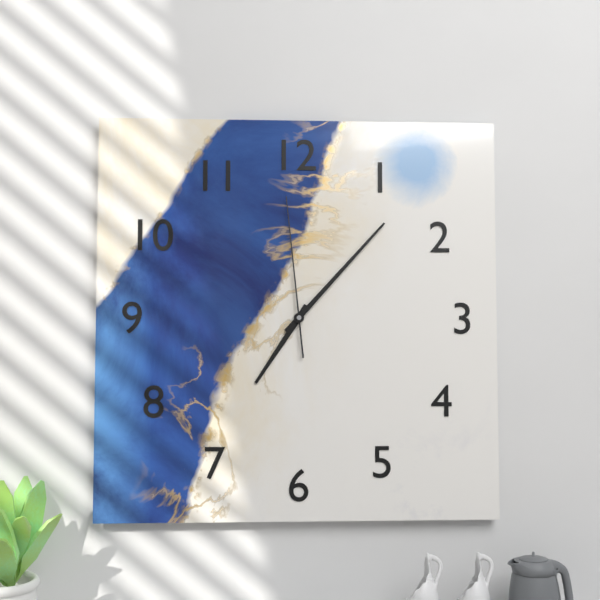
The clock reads **7:07:59**
